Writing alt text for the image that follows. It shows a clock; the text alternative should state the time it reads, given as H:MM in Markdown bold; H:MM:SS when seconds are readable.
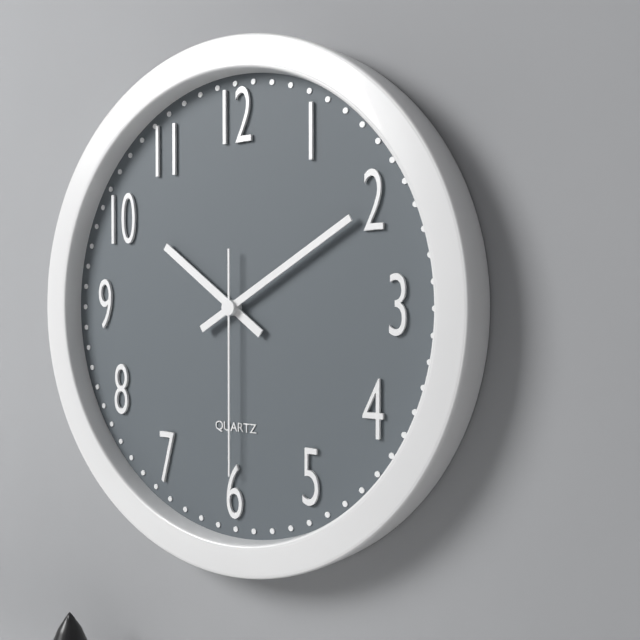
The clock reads **10:10:30**
